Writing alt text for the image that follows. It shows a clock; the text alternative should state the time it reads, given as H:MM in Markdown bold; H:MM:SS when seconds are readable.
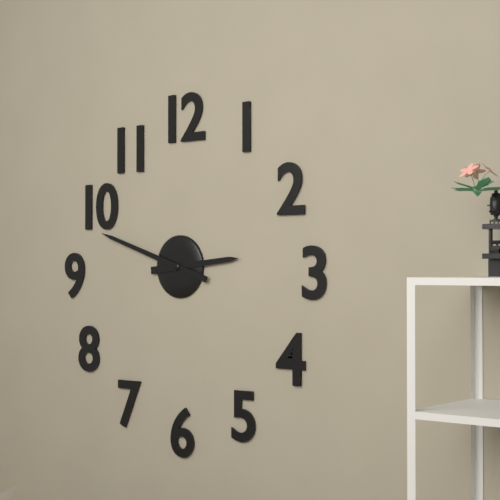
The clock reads **2:48**
